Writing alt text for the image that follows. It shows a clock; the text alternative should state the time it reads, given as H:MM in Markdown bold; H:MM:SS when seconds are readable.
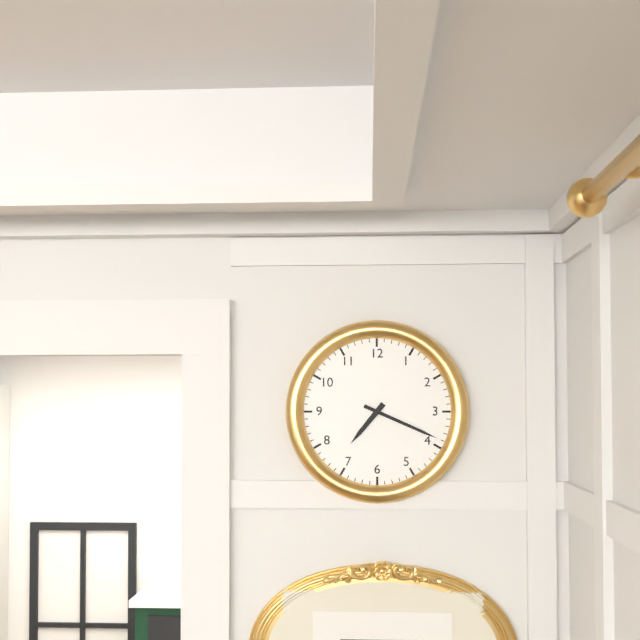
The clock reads **7:19**
